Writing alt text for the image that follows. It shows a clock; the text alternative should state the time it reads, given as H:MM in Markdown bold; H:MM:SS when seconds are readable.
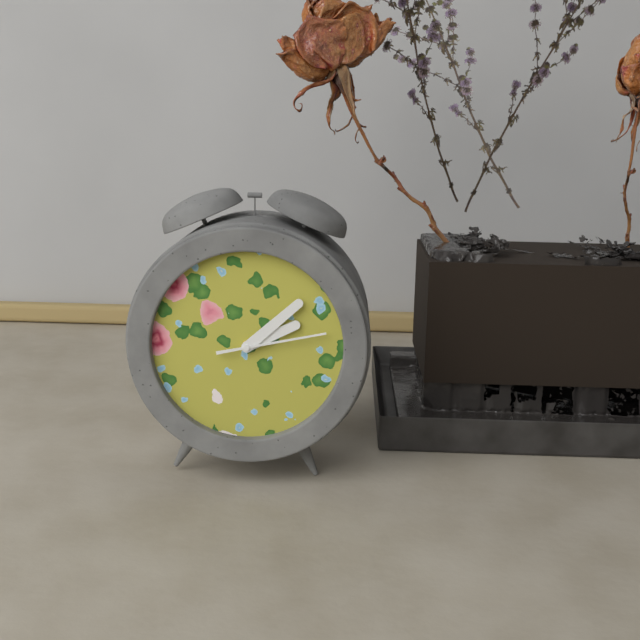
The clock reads **2:08:13**
